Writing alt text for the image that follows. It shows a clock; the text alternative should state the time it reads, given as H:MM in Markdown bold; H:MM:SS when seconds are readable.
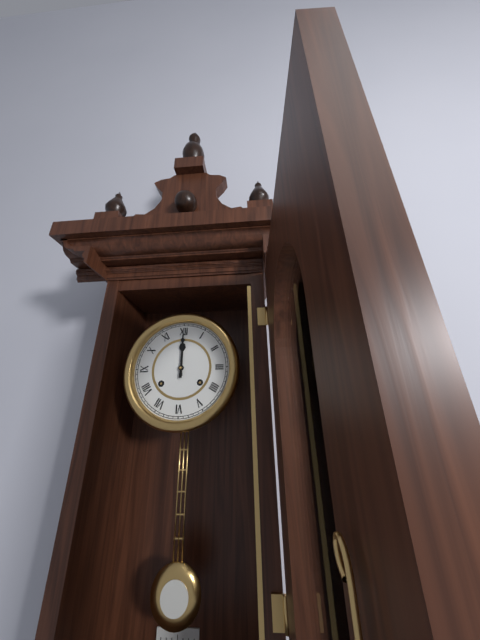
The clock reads **12:00**
